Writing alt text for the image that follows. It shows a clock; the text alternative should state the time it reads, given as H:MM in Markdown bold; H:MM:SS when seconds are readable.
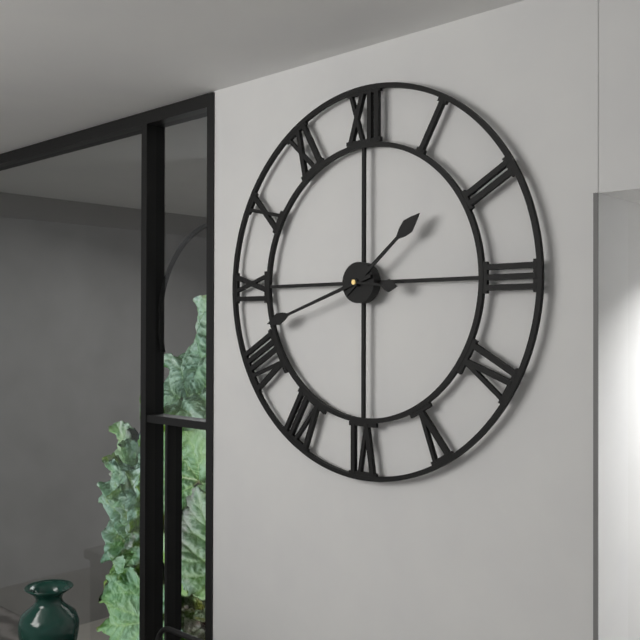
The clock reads **1:42**
